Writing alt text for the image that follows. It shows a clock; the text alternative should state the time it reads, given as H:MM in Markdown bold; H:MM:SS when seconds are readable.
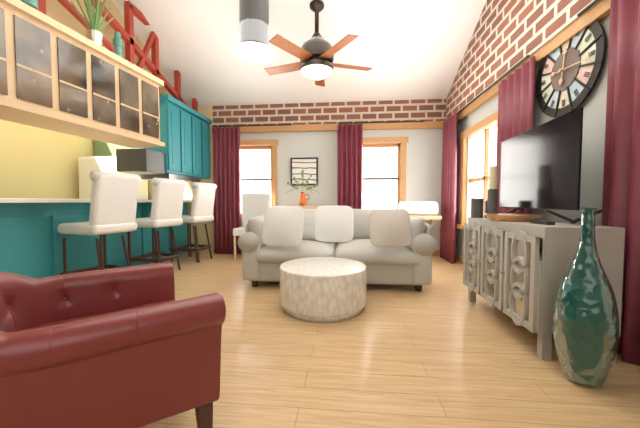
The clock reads **12:16**
